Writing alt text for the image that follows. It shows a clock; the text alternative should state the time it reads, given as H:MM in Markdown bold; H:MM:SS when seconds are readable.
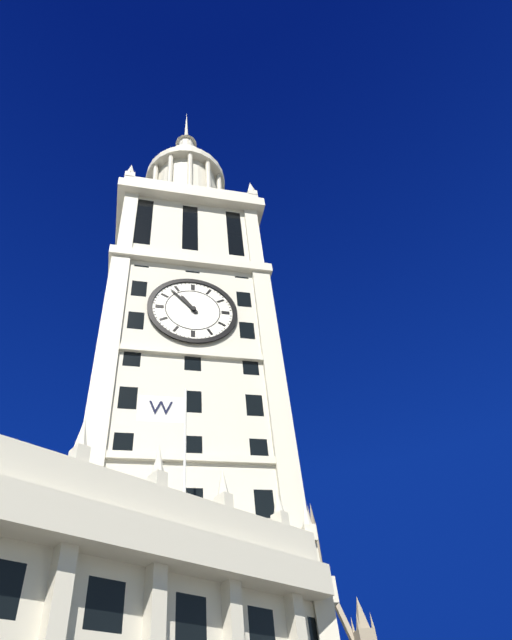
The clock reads **10:53**
